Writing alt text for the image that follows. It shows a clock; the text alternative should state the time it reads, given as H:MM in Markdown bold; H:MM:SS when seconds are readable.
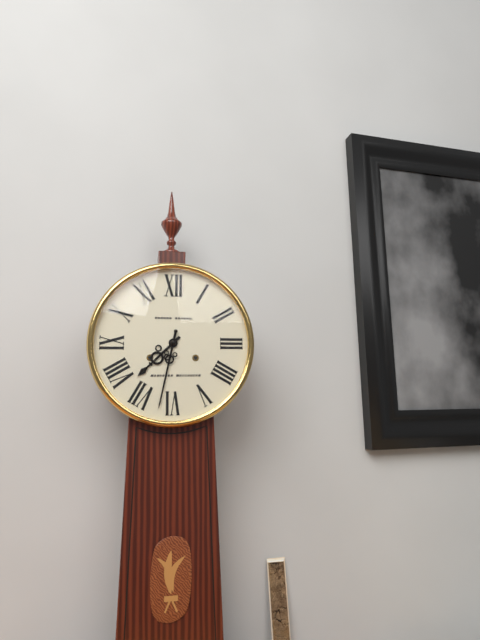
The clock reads **7:32**
